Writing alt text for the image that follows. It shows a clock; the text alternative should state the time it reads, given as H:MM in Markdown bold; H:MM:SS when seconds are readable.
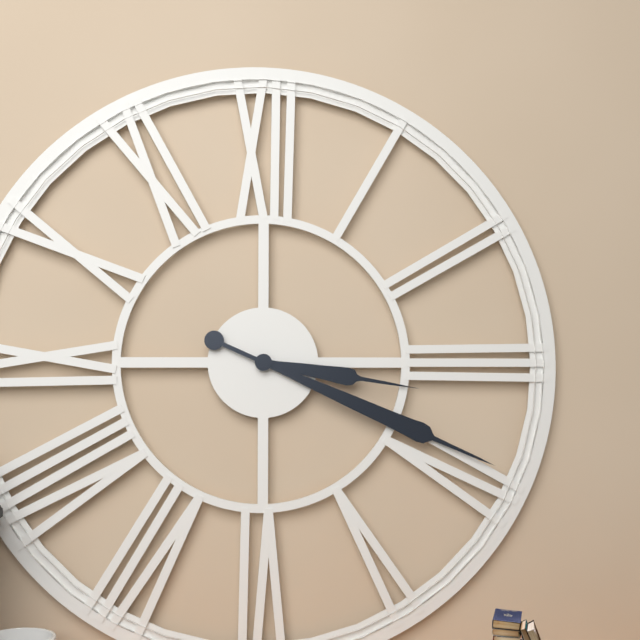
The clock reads **3:19**
